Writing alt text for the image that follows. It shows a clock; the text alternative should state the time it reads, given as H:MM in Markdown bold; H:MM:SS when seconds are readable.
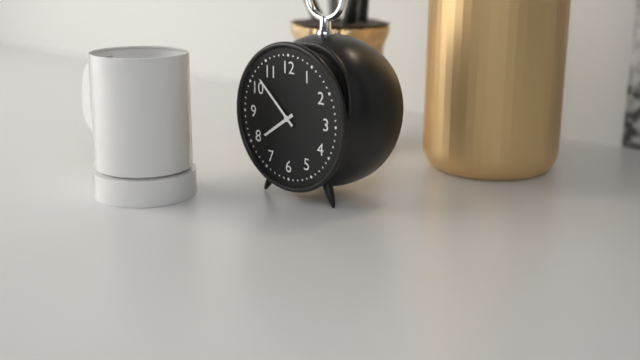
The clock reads **7:52**
